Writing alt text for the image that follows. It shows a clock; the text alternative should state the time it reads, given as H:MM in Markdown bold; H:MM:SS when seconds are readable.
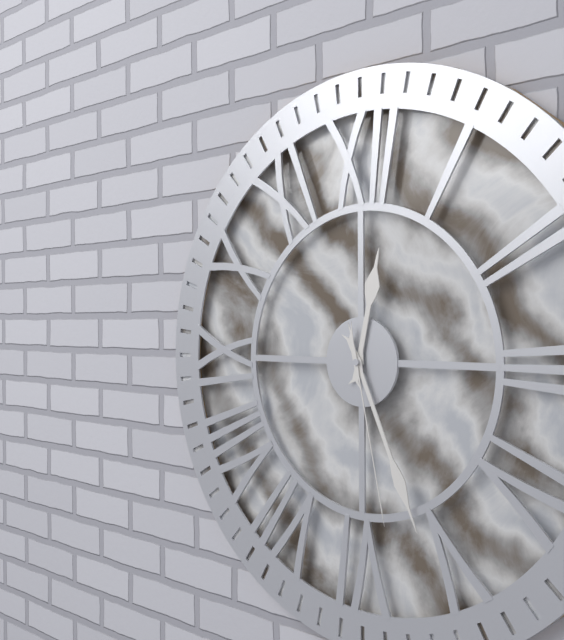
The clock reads **12:26:28**
